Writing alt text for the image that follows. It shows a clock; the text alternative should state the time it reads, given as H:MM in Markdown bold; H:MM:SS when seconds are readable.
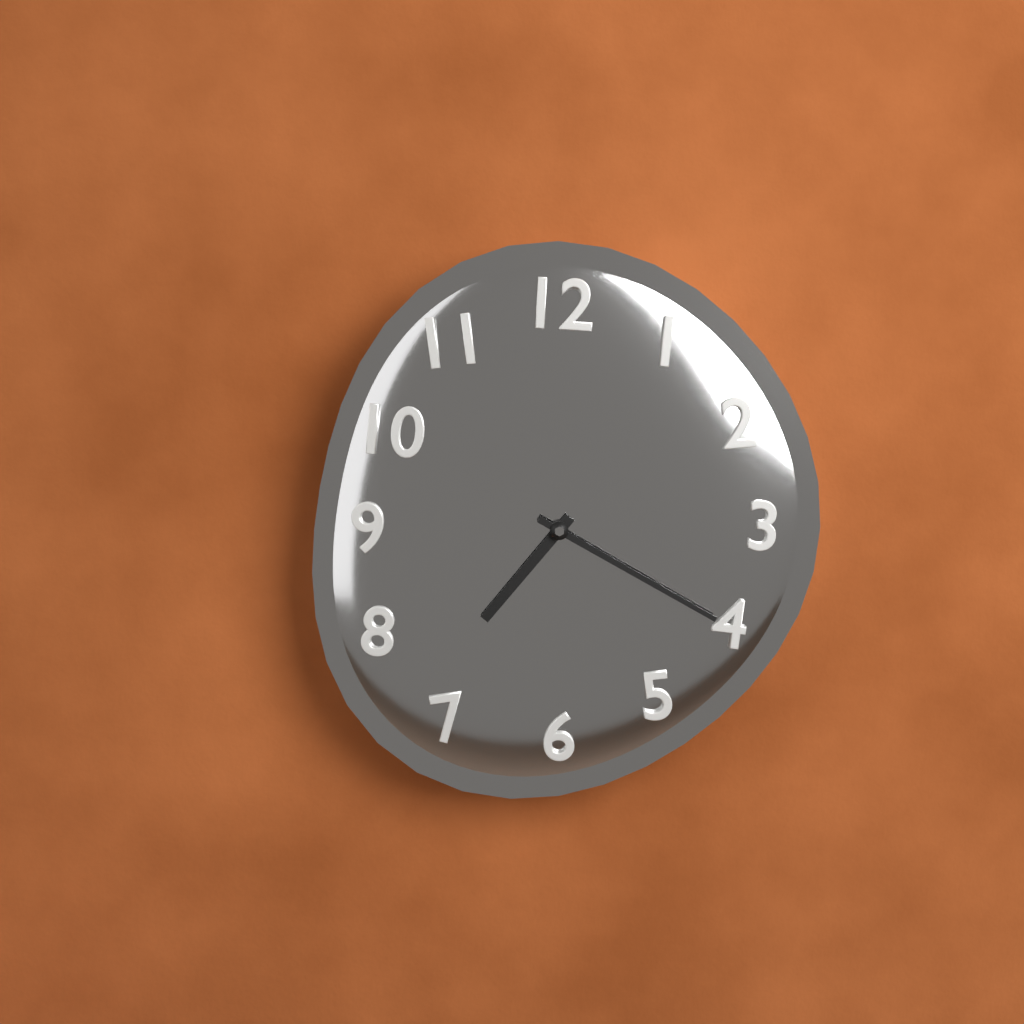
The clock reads **7:20**
